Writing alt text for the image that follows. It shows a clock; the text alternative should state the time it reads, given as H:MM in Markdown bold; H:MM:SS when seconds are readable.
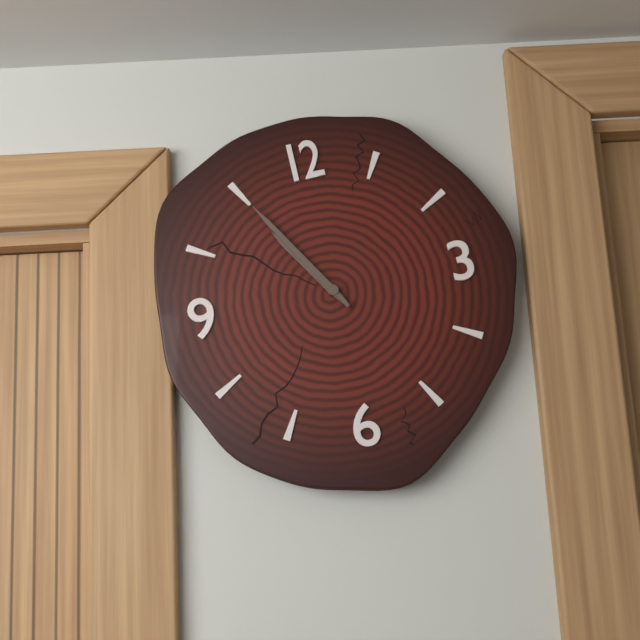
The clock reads **10:55**
